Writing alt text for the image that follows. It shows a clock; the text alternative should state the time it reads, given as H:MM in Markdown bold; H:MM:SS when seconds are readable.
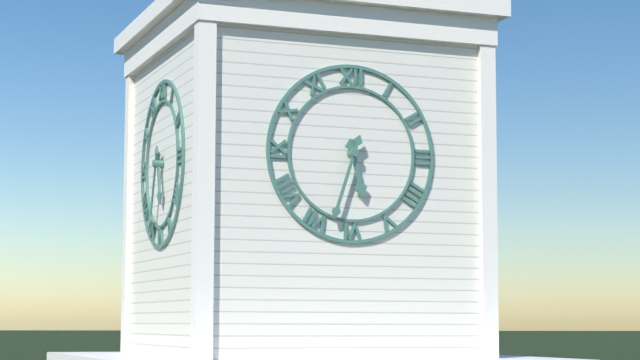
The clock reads **5:33**
